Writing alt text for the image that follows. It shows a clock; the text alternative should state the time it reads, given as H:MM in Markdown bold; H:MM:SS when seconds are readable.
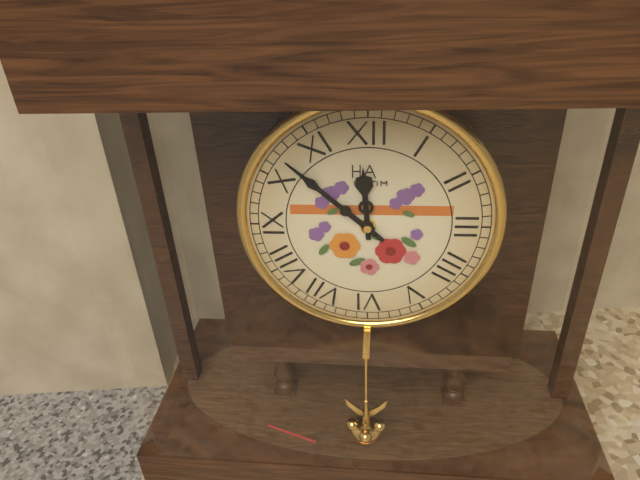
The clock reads **11:52**
